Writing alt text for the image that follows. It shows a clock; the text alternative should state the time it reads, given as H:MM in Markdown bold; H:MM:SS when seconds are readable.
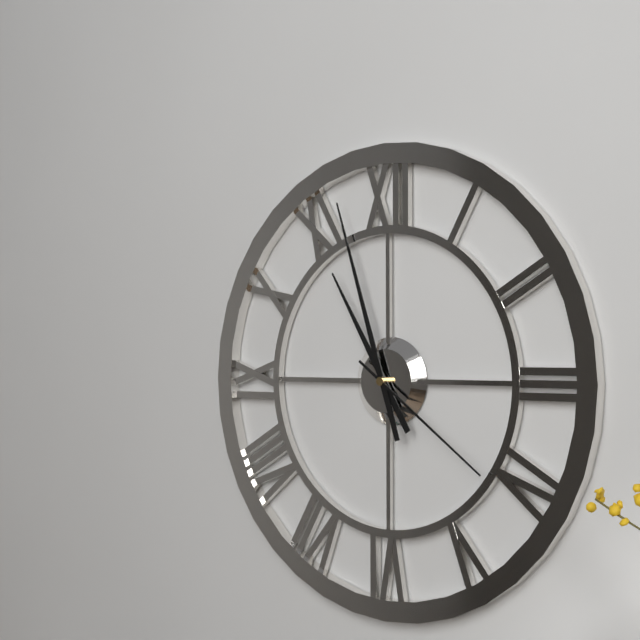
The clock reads **10:57:21**
